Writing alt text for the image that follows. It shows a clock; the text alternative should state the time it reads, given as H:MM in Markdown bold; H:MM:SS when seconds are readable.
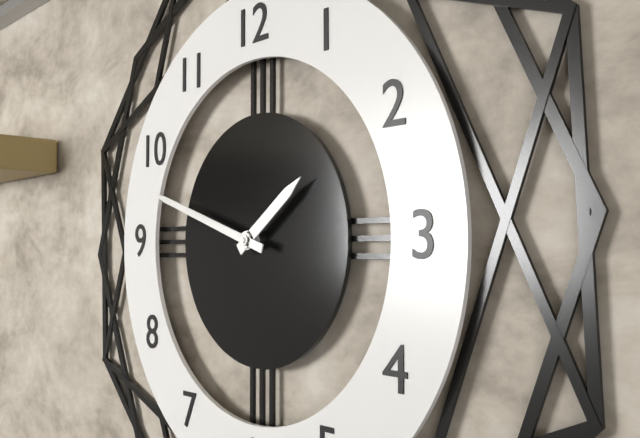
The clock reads **1:48**
